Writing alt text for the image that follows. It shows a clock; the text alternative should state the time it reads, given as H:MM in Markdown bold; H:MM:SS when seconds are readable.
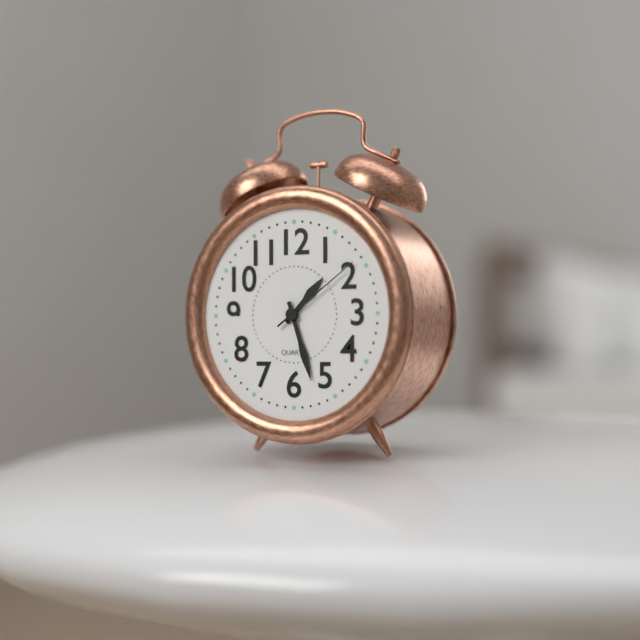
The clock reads **1:27:09**
